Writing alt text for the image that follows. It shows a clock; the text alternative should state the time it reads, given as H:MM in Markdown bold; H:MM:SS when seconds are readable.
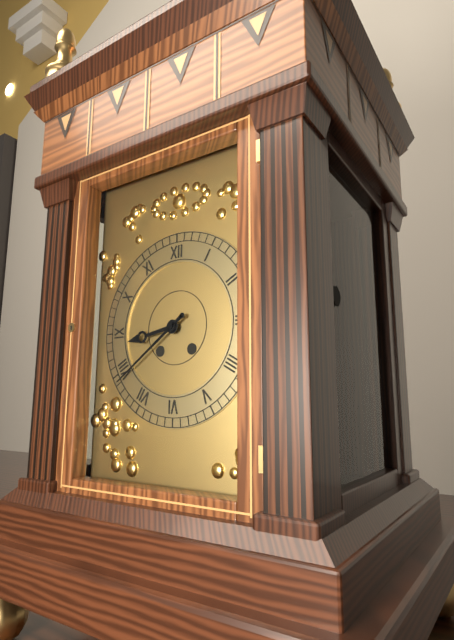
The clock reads **8:39**
